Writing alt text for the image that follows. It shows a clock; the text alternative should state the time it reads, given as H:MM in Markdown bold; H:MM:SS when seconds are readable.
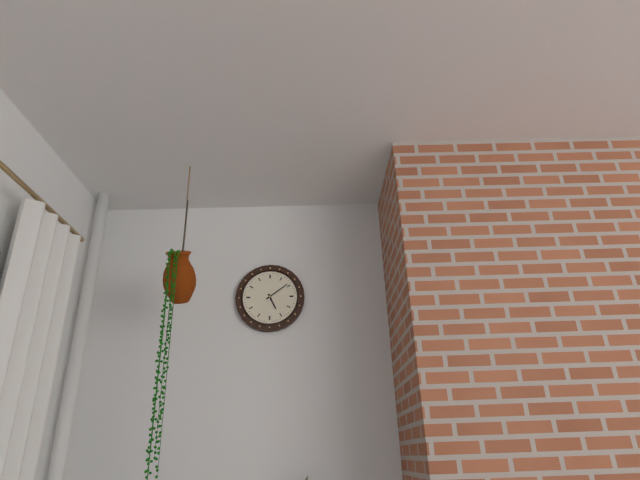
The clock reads **5:09**
